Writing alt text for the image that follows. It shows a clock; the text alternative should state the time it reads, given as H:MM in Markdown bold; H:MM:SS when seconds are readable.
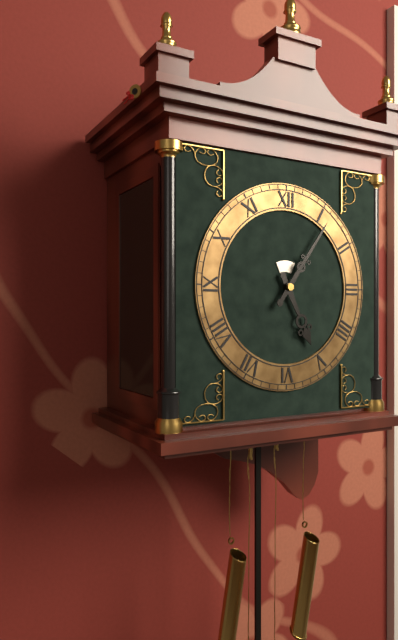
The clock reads **5:06**
